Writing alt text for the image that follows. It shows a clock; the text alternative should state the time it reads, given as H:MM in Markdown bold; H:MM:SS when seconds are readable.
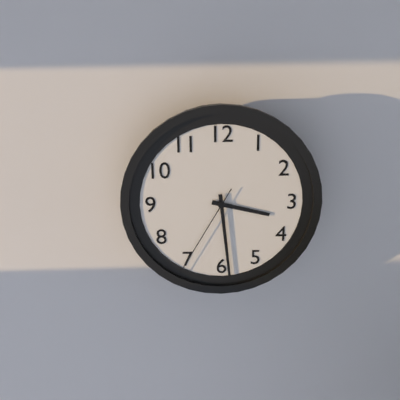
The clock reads **3:29:35**
